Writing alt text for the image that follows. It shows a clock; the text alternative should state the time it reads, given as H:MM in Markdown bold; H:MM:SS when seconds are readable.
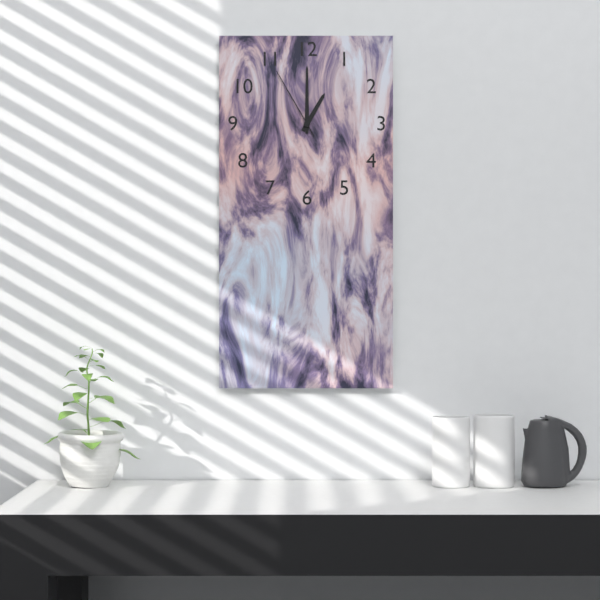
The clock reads **1:00:55**
